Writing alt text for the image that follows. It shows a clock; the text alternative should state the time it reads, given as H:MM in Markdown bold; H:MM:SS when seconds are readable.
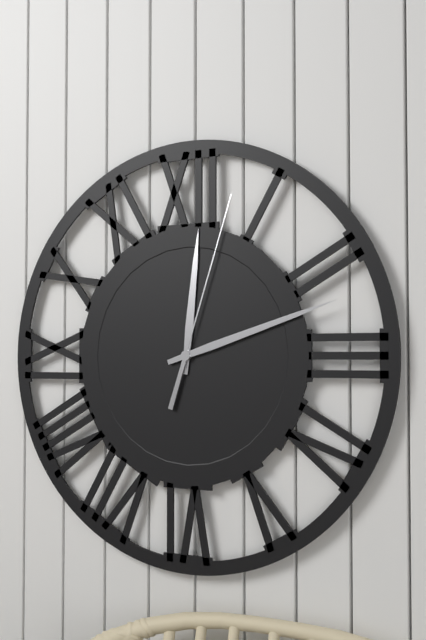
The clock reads **12:12:03**
